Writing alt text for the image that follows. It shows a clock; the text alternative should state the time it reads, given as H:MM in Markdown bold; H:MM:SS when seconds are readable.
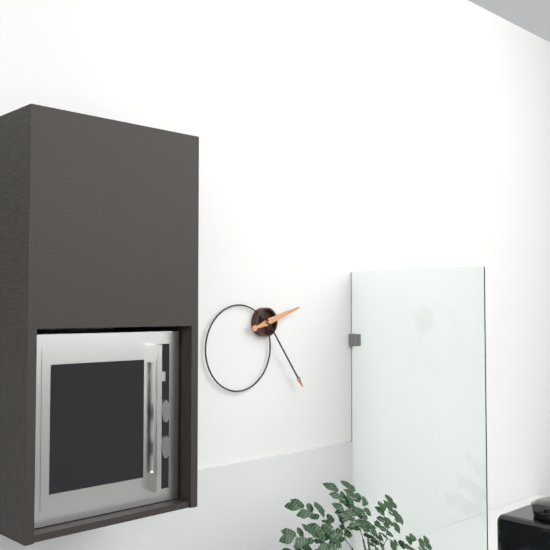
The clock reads **2:24**
